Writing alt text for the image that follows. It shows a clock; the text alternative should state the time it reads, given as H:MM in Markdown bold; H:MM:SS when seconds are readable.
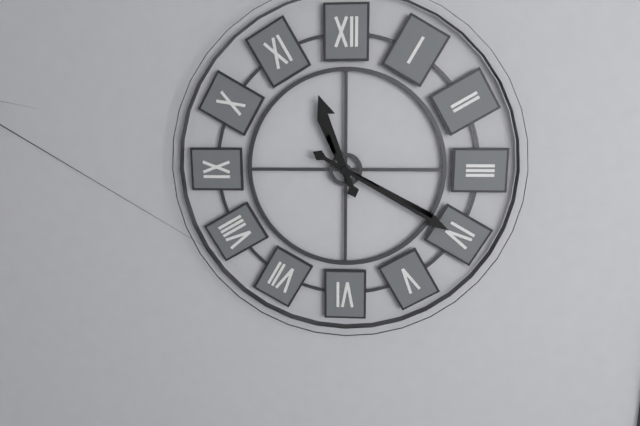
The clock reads **11:20**
